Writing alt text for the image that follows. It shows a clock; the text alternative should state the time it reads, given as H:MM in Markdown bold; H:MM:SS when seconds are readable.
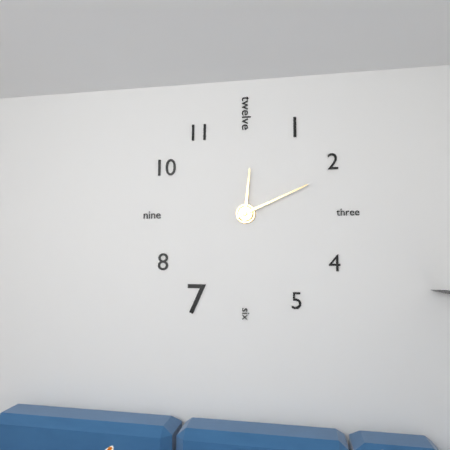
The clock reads **12:11**
